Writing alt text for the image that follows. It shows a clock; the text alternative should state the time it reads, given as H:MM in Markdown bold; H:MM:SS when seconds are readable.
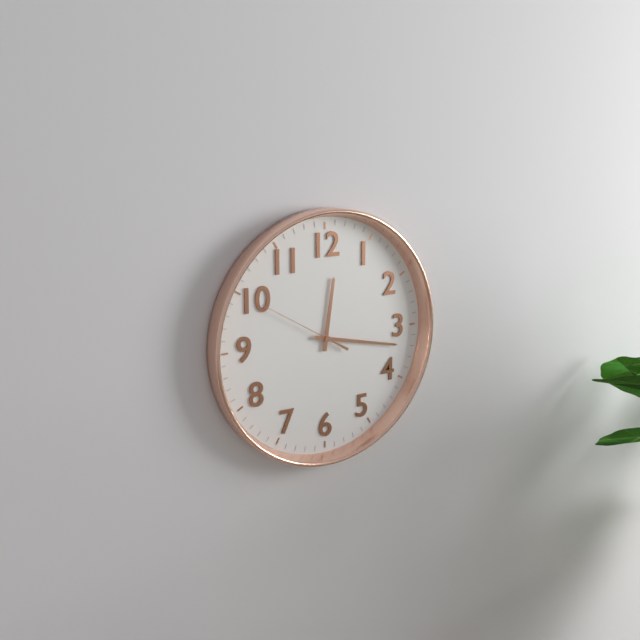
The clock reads **12:17:50**
